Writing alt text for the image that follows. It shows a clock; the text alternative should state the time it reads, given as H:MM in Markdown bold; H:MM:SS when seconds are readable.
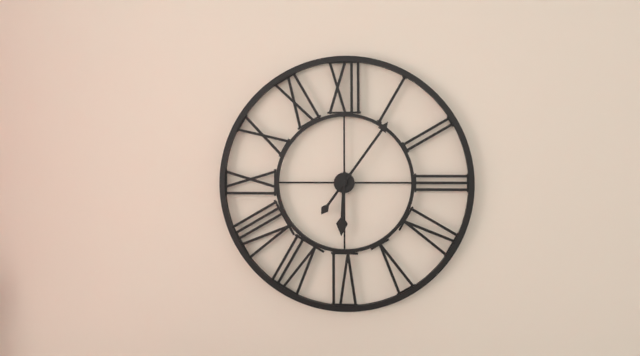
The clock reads **6:06**
